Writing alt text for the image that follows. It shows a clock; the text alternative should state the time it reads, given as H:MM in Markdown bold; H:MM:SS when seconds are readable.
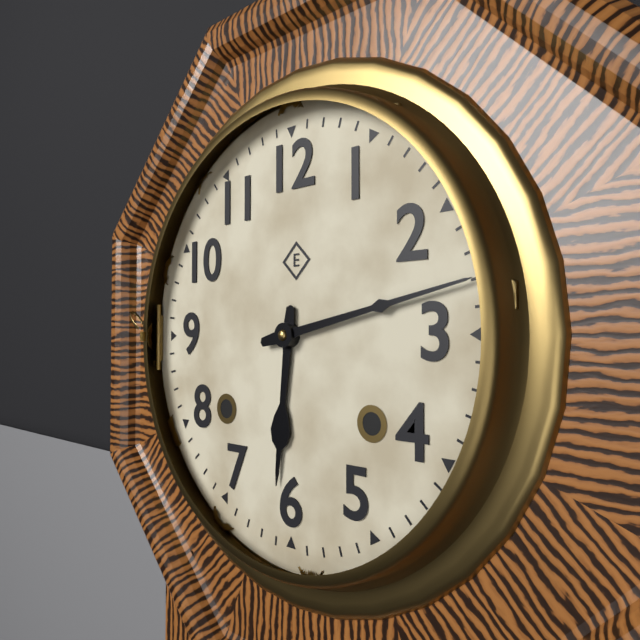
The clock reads **6:13**
